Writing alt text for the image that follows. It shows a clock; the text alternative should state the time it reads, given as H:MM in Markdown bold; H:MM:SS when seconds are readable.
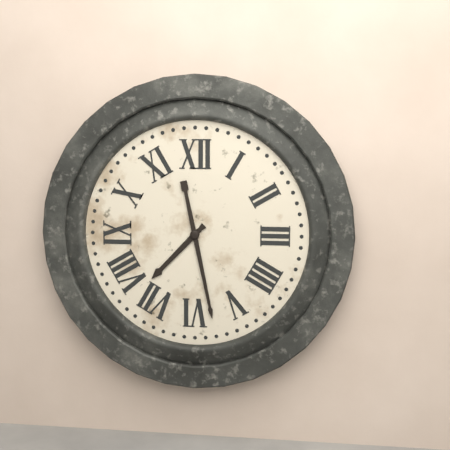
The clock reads **7:28**
